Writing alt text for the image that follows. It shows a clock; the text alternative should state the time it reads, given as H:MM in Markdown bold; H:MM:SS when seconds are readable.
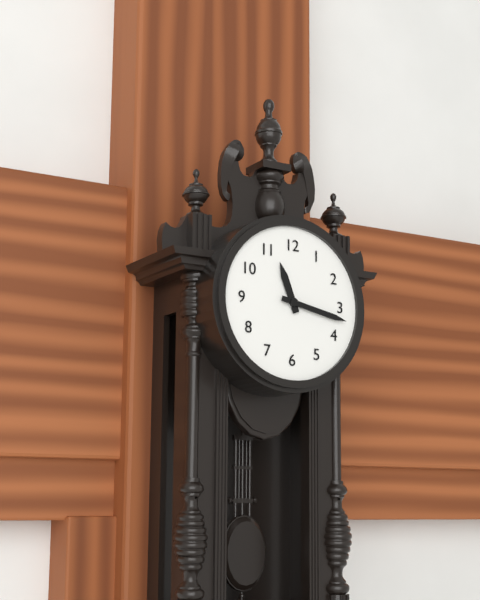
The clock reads **11:17**
